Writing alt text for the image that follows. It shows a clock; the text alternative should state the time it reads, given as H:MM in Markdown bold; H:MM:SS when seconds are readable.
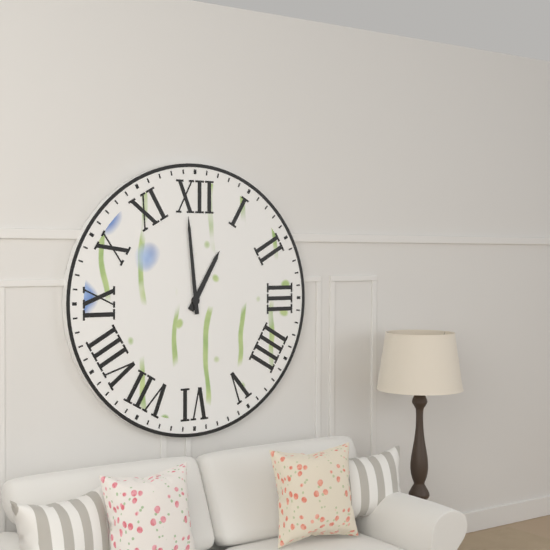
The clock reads **12:59**
